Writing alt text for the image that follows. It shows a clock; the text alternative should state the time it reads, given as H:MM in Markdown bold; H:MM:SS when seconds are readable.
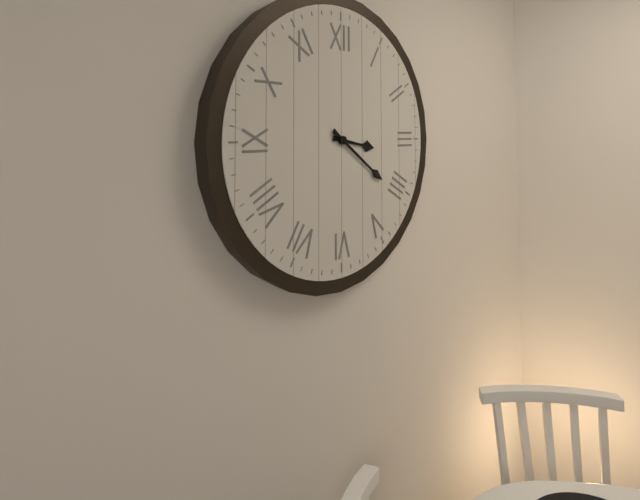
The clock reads **3:21**
